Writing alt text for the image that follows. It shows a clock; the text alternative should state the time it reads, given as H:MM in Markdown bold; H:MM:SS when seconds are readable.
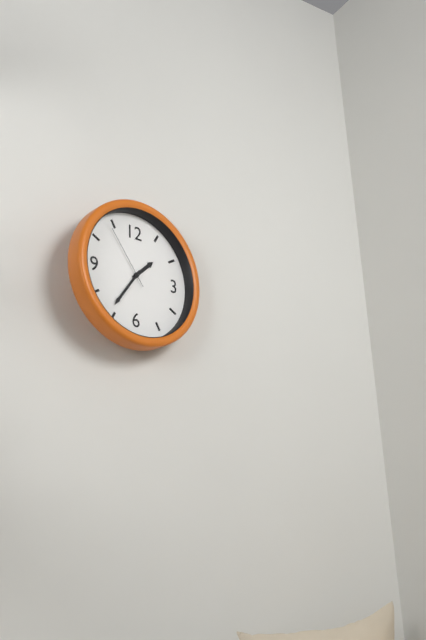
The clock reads **1:36:54**
